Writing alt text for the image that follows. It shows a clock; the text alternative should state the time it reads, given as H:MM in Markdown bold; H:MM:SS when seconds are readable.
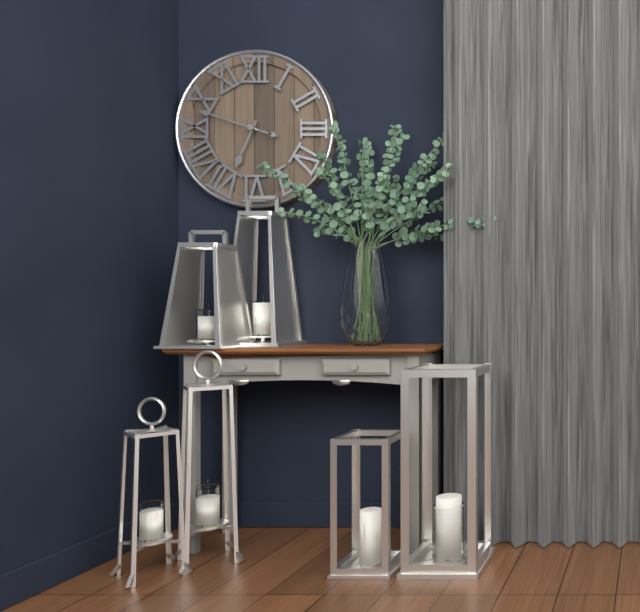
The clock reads **6:48**
